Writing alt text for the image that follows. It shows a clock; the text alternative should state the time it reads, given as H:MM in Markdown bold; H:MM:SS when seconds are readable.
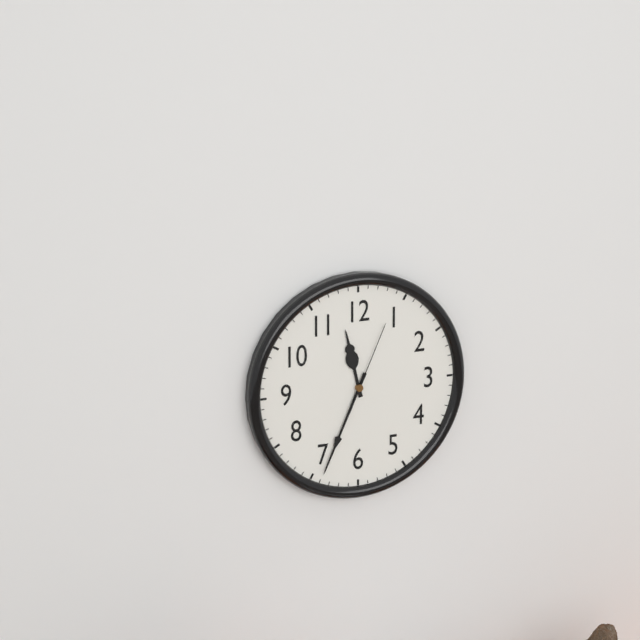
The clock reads **11:34:04**
